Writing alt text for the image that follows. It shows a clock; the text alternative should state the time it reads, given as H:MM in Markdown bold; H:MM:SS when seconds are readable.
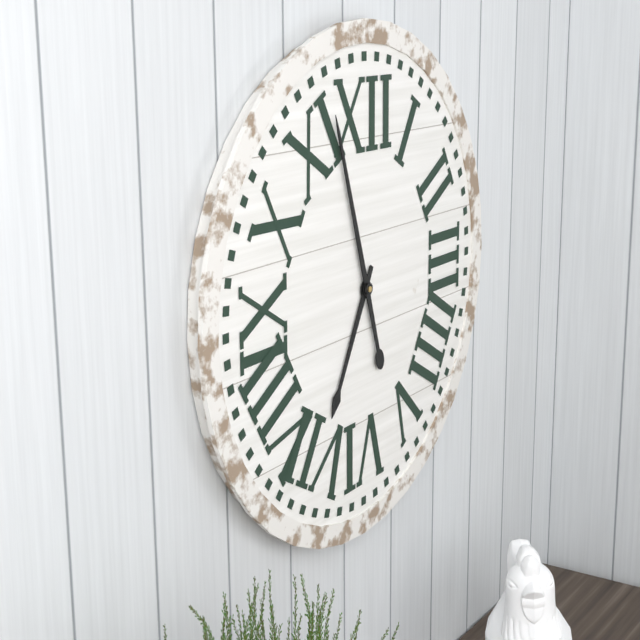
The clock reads **6:57**
